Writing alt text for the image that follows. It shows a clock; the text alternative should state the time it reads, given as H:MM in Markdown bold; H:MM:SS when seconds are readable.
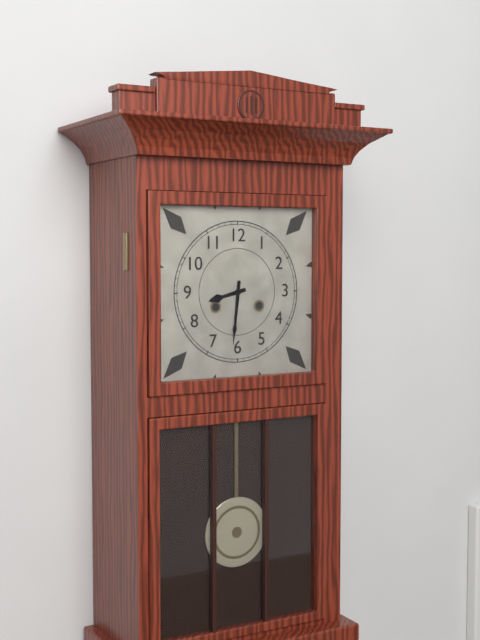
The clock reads **8:31**
